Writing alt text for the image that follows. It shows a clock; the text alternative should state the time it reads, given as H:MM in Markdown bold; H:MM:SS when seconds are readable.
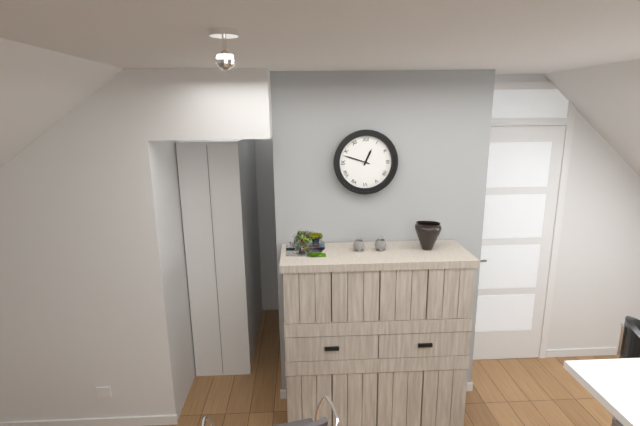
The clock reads **12:48**
